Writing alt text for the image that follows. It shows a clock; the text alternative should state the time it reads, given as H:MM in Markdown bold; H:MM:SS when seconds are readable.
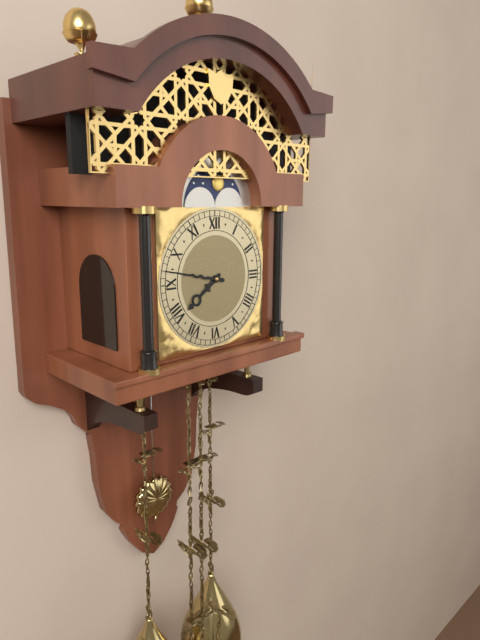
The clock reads **7:47**
